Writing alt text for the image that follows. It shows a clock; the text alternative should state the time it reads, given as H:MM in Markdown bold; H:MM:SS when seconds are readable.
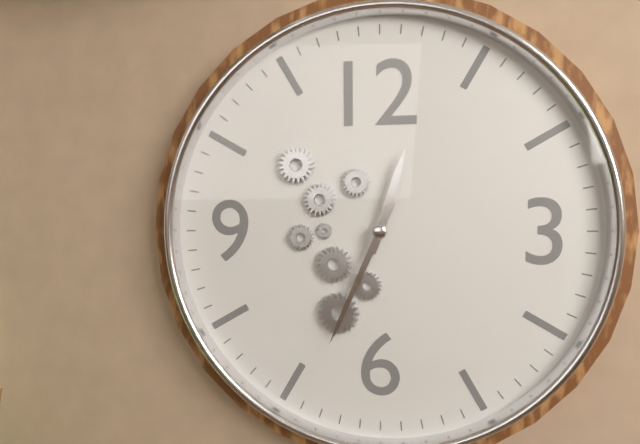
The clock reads **12:34**
